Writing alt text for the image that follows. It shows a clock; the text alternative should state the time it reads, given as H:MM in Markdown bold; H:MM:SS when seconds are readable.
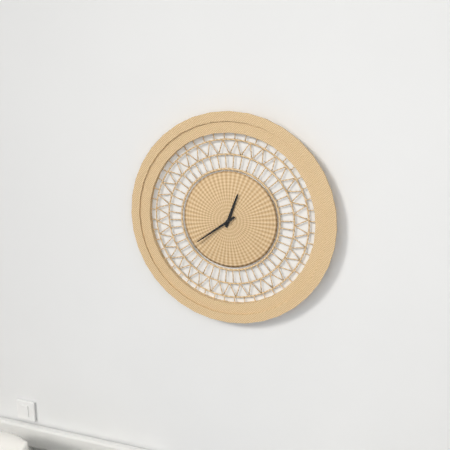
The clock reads **12:39**
